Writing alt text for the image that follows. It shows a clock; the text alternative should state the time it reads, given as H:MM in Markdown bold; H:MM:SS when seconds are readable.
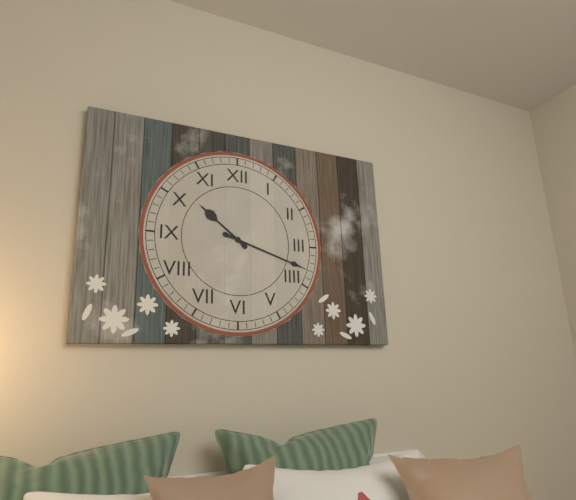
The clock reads **10:18**
